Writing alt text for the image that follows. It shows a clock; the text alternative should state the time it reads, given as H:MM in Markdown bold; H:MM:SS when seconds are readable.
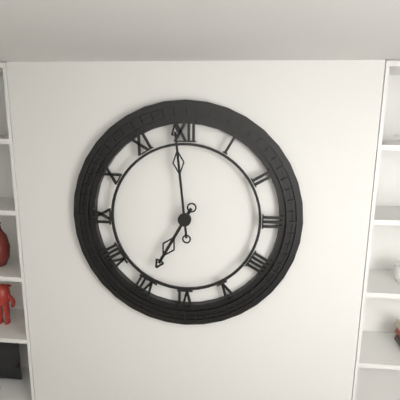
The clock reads **6:59**
